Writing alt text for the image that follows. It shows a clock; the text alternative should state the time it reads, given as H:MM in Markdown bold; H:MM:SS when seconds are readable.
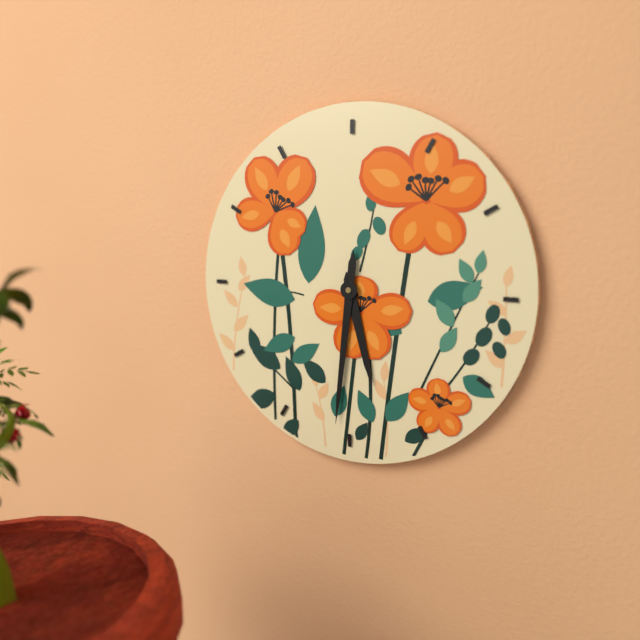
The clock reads **5:31**
